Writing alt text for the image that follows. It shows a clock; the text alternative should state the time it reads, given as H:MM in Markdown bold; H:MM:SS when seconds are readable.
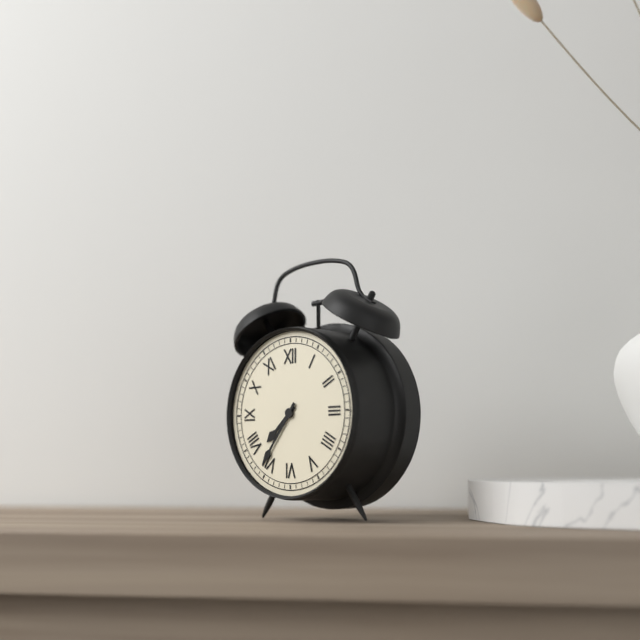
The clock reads **7:36**
